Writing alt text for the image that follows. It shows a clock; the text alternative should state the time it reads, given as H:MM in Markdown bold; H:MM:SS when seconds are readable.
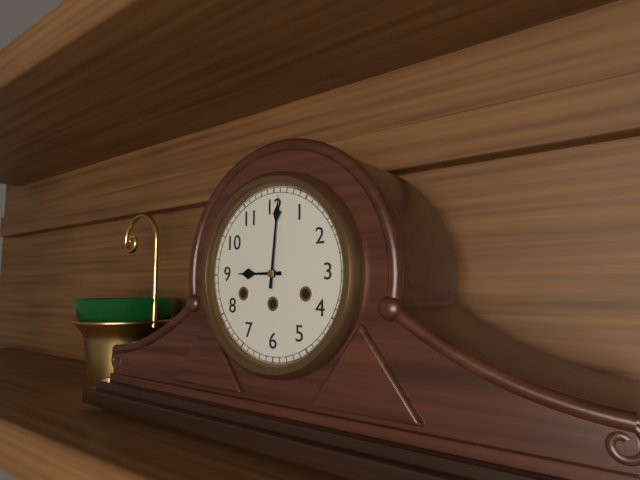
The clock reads **9:01**
